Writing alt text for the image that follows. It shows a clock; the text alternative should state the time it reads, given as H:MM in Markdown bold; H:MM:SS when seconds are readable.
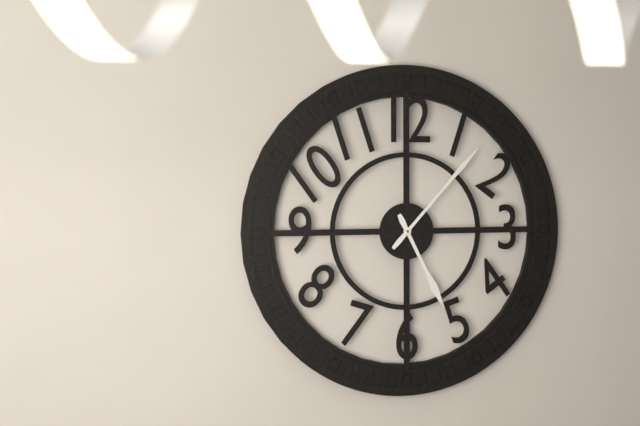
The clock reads **5:07**
